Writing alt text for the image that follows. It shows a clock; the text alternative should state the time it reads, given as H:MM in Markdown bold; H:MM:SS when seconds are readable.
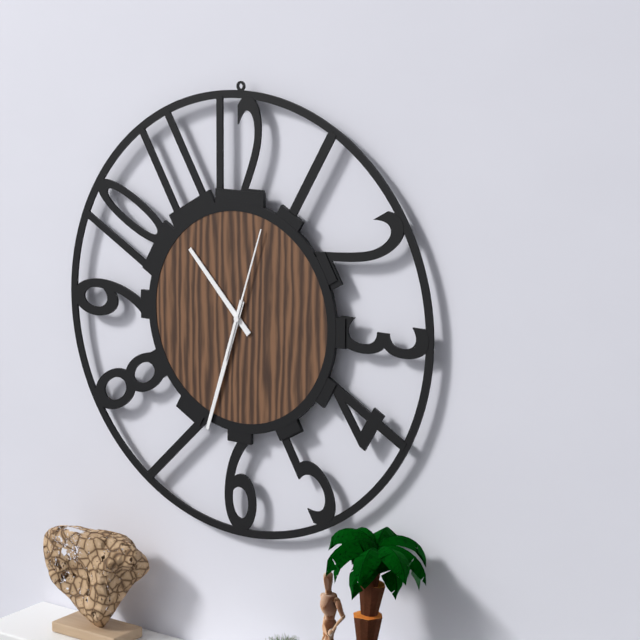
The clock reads **10:33:03**
